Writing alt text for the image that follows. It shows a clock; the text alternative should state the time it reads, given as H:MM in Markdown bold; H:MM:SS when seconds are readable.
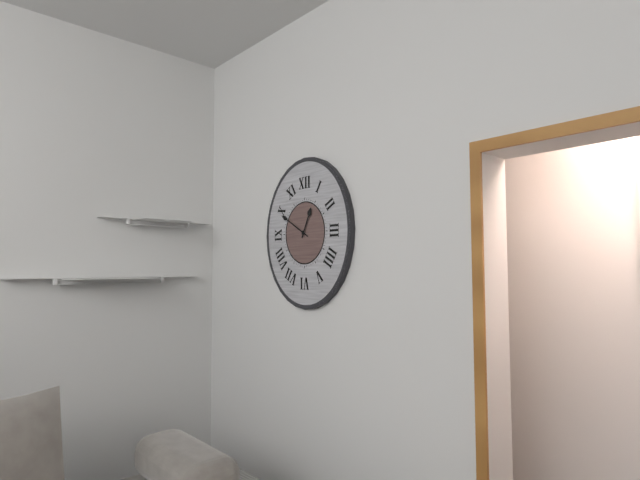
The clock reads **12:50**
